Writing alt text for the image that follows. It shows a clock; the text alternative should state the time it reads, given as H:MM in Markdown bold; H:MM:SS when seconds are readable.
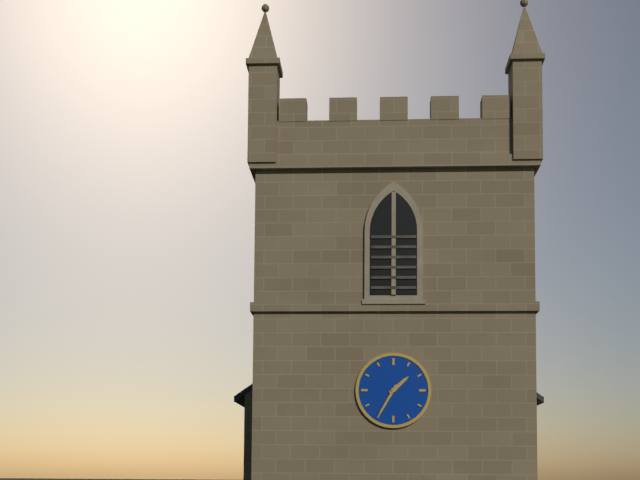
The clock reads **1:35**
